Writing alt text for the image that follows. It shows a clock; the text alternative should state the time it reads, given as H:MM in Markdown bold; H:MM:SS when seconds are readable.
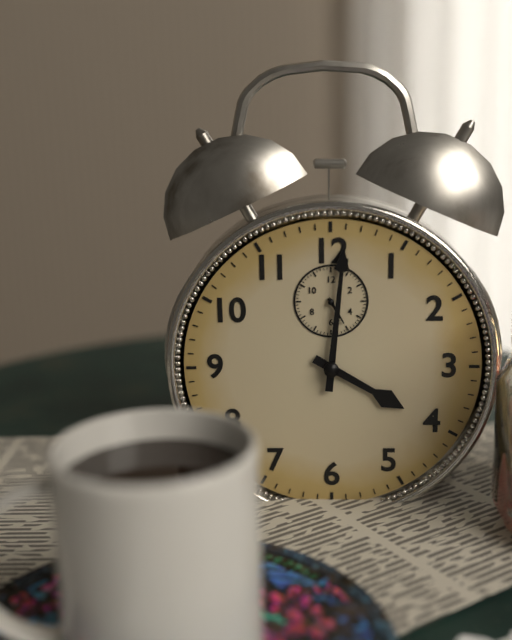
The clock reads **4:01**
